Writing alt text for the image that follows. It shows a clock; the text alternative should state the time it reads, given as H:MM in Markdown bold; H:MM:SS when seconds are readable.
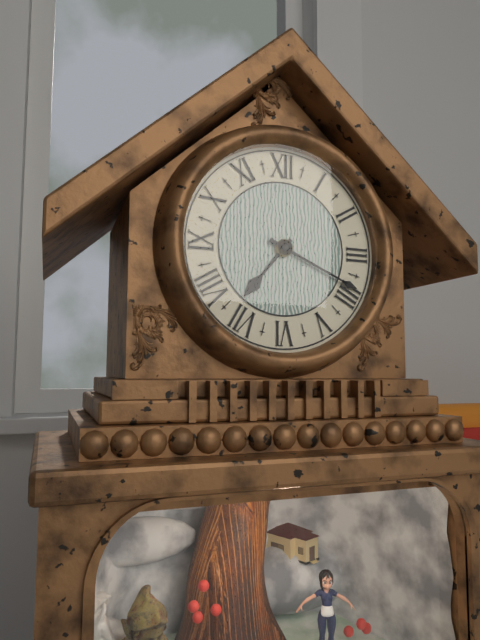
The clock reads **7:19**
